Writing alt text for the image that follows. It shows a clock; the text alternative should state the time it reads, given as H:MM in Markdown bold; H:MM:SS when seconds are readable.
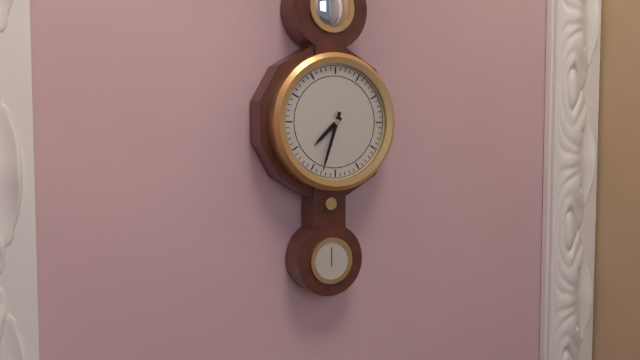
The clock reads **7:33**
